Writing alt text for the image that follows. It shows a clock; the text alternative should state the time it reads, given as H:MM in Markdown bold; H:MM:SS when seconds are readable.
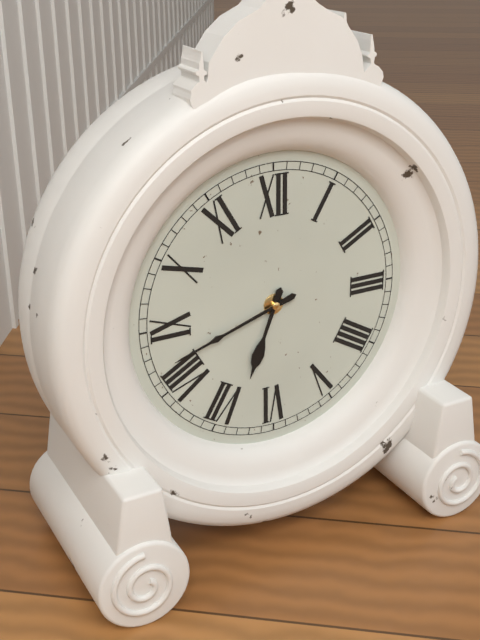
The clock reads **6:42**
